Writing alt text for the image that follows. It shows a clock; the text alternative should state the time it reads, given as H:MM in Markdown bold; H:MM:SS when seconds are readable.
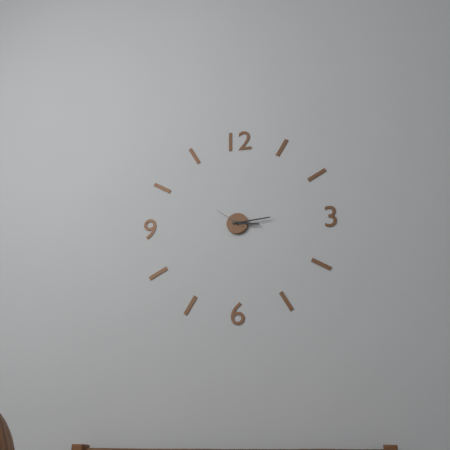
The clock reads **3:14**
